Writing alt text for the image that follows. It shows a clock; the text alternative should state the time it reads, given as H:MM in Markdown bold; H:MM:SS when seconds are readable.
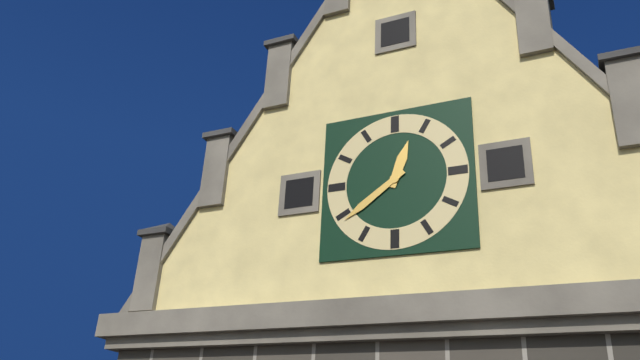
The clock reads **12:39**
